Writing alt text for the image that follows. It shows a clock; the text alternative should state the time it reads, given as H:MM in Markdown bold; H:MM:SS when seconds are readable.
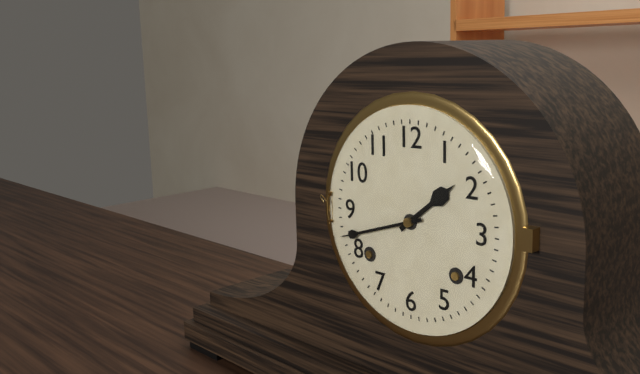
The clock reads **1:42**
